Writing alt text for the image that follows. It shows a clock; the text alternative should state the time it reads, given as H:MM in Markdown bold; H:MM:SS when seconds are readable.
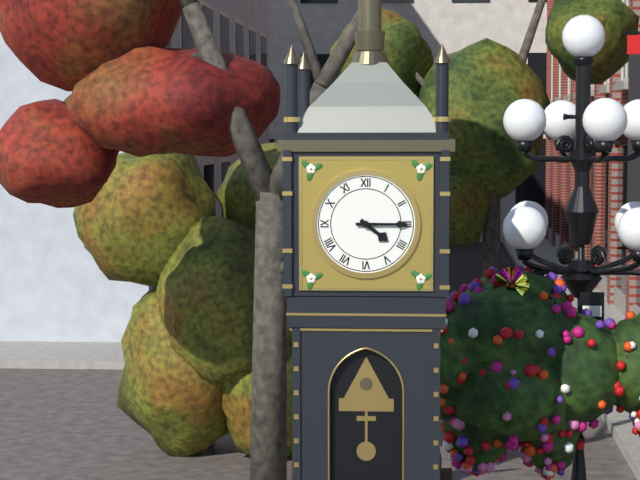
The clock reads **4:15**
